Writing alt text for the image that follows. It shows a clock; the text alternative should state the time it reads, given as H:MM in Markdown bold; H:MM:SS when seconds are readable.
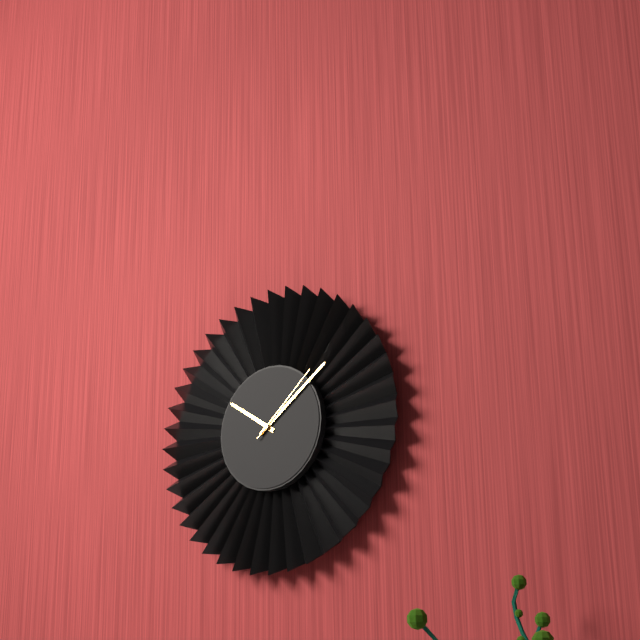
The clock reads **10:09:08**
